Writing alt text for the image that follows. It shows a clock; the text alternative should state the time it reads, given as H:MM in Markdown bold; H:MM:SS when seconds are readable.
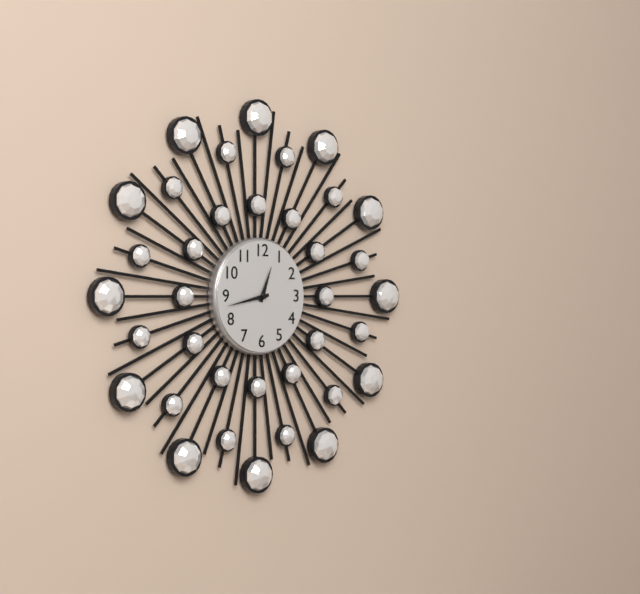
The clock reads **12:43**
